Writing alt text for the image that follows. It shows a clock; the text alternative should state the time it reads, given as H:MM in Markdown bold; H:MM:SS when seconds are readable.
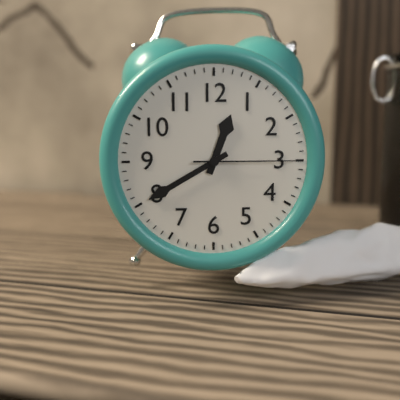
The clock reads **12:40:15**
